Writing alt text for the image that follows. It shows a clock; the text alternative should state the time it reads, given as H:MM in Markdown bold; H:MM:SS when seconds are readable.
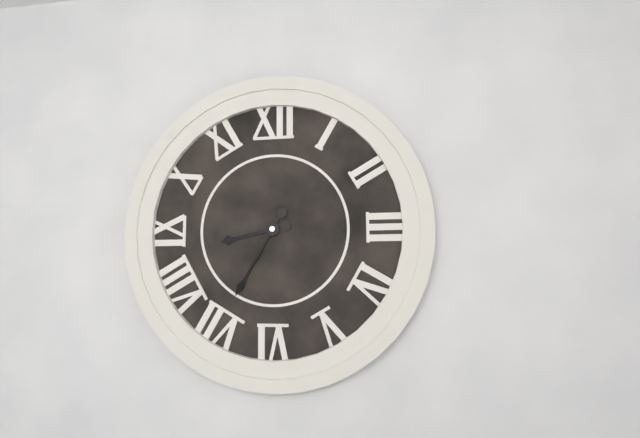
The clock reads **8:35**
